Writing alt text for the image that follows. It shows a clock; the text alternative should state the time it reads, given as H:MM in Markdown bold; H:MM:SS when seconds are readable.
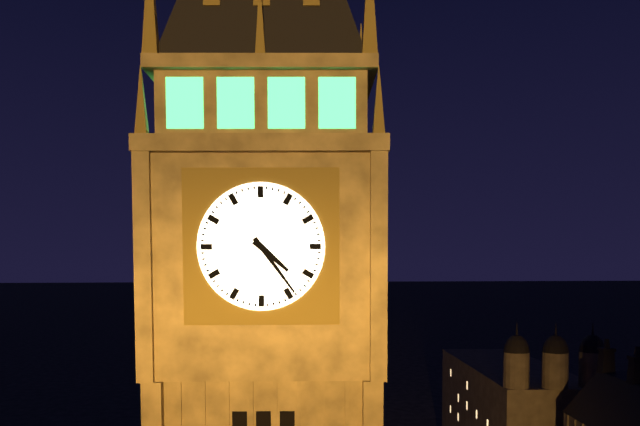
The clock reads **4:24**
